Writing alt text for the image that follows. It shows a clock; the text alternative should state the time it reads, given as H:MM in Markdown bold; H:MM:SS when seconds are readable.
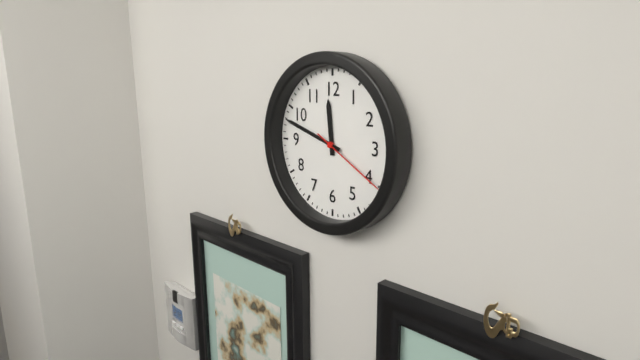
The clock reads **11:48:20**
